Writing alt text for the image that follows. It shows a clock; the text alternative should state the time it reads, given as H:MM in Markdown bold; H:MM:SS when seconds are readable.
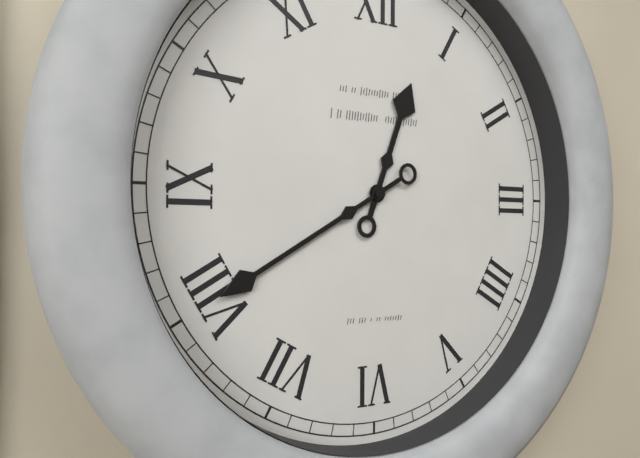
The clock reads **12:40**
